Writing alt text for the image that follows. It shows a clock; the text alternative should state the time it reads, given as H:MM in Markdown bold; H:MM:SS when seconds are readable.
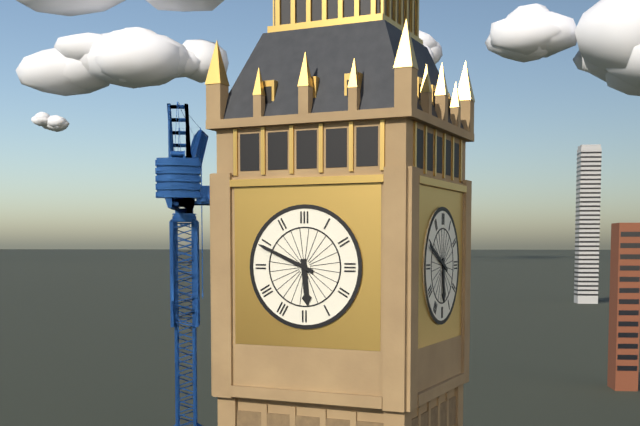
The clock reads **5:49**
